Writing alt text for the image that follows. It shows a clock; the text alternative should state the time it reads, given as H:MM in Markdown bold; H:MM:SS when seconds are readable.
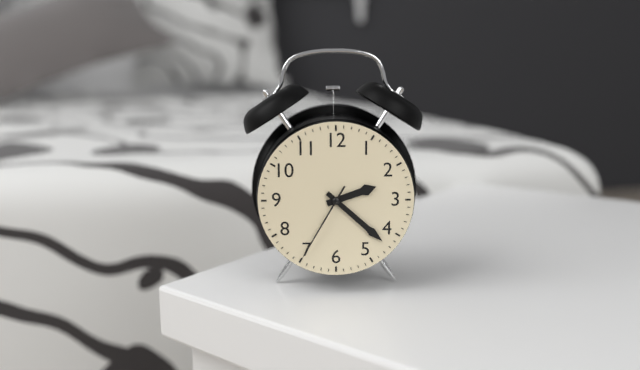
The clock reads **2:22:35**
